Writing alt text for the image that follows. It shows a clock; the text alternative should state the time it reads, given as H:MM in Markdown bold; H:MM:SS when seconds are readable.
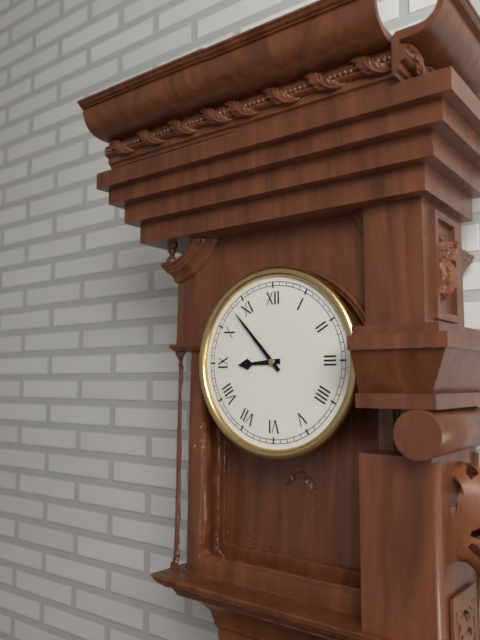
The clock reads **8:53**
